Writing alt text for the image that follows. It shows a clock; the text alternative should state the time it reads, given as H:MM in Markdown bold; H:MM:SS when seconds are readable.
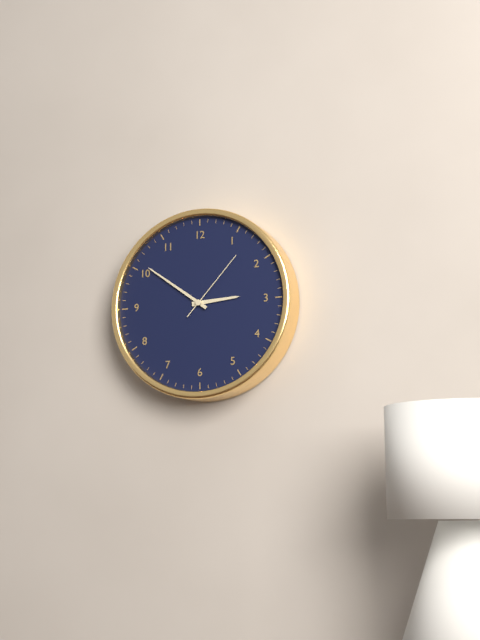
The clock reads **2:51:07**
